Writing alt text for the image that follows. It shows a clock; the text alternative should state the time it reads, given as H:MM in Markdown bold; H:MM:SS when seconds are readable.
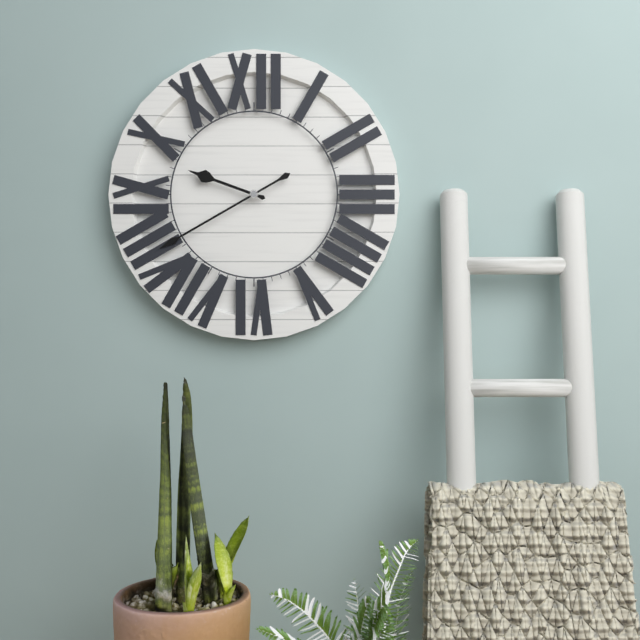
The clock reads **9:40**
